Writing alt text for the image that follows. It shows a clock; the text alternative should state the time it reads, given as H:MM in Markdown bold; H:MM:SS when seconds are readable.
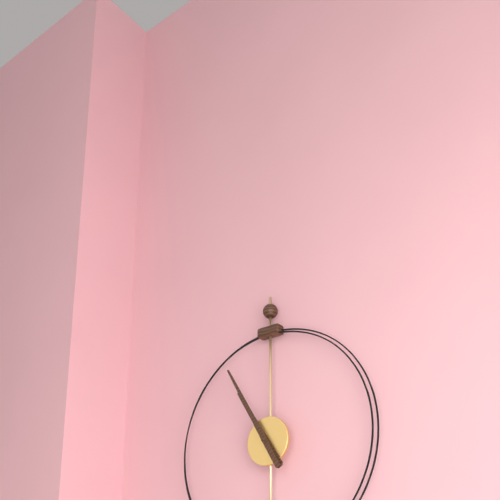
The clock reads **10:55**
